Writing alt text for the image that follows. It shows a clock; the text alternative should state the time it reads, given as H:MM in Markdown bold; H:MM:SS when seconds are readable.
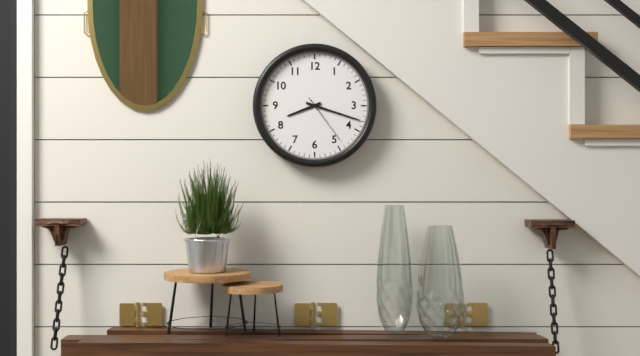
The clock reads **8:18:24**
